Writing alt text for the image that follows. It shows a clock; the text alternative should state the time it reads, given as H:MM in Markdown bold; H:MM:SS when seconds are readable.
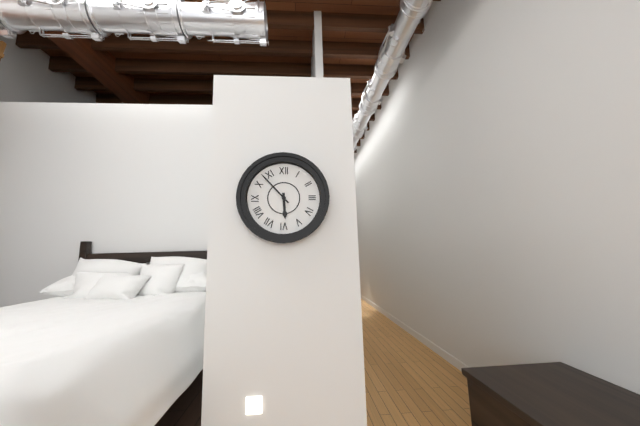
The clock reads **5:53**
